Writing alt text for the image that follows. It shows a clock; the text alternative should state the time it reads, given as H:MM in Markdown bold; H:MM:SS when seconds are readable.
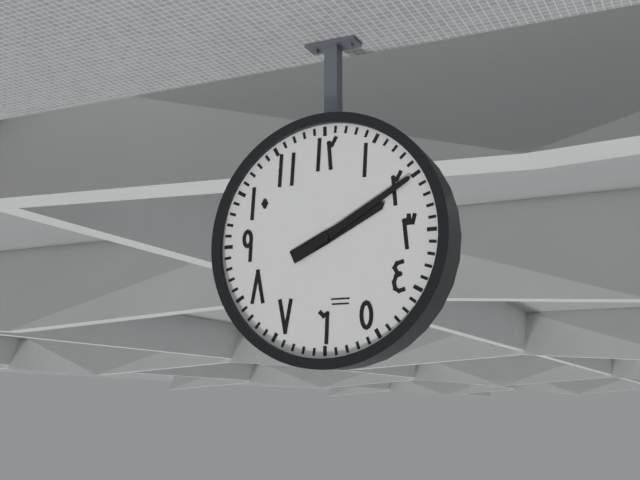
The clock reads **2:10**
